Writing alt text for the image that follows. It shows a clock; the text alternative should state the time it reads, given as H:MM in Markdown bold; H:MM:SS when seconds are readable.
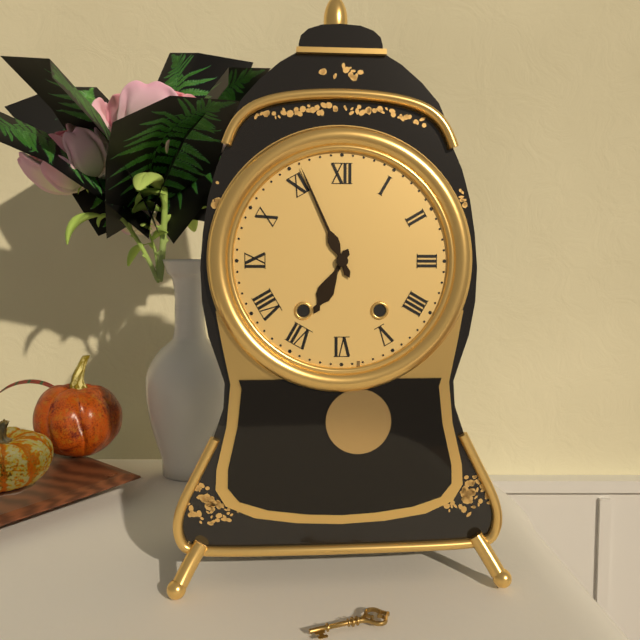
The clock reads **6:56**
